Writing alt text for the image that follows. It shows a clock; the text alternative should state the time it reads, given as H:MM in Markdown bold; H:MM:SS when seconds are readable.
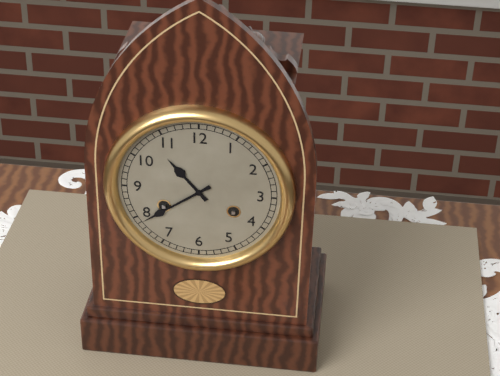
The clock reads **10:39**
